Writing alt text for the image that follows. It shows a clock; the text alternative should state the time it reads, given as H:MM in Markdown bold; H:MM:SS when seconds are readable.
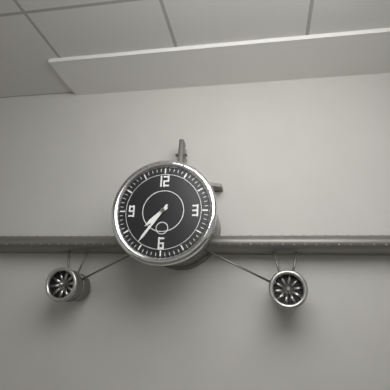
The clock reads **7:36**
